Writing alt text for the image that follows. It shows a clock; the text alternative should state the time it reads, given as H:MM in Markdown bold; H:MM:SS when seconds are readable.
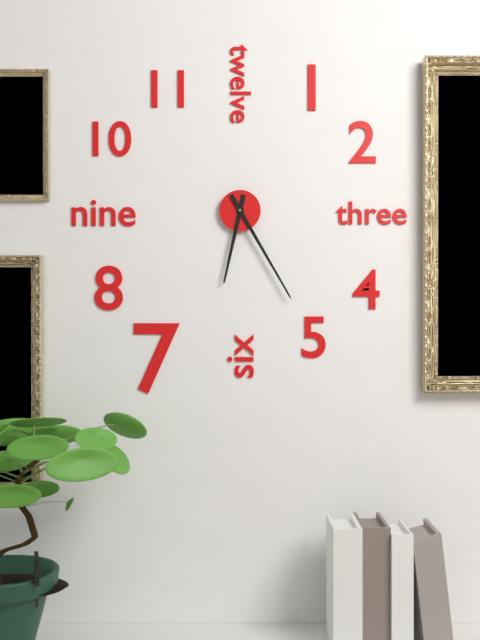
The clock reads **6:25**
